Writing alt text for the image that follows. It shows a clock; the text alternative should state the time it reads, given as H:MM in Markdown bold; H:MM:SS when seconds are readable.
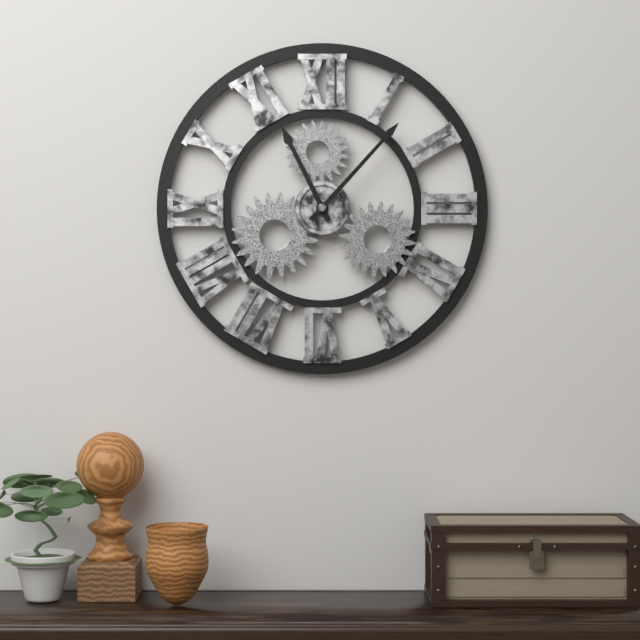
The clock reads **11:07**
